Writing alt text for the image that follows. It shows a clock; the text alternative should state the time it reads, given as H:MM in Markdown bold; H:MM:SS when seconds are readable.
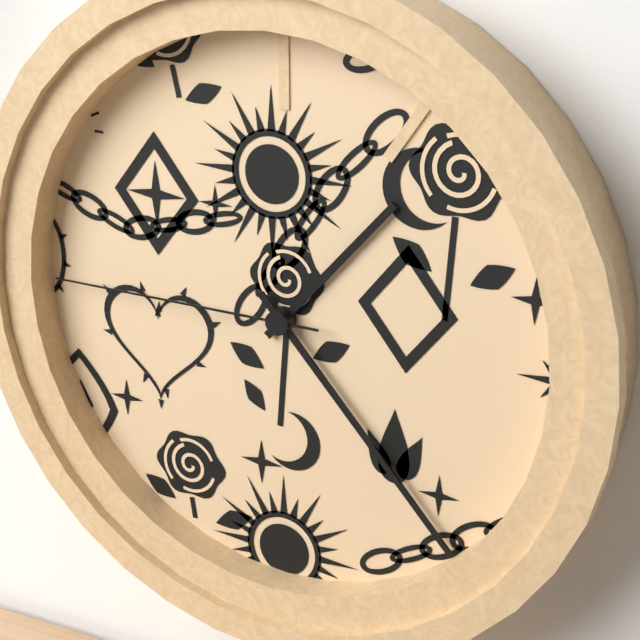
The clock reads **1:23:45**
